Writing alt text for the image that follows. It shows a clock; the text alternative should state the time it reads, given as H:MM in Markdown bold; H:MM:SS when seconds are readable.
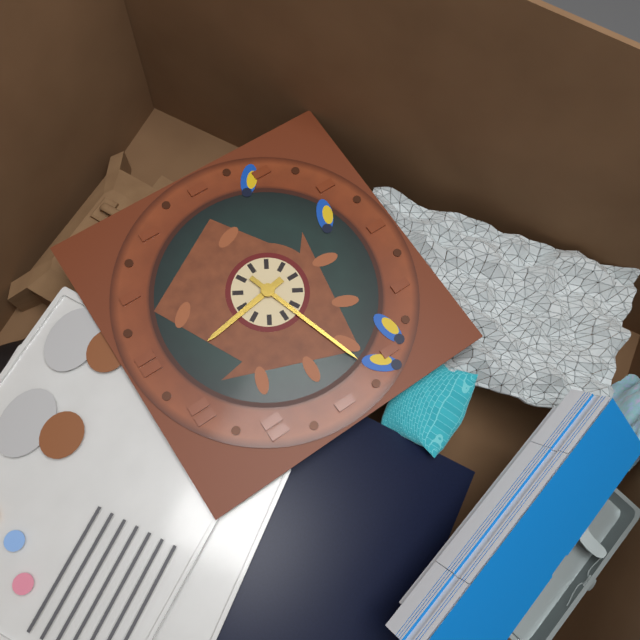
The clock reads **11:42**
